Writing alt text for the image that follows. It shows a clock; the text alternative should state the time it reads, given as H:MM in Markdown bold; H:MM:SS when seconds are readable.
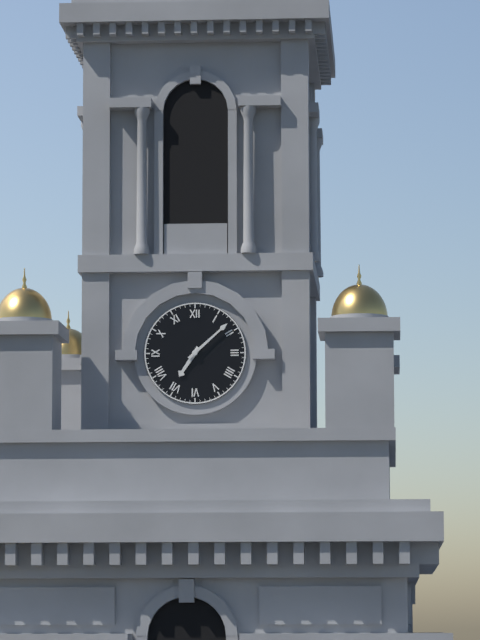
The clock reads **7:08**
